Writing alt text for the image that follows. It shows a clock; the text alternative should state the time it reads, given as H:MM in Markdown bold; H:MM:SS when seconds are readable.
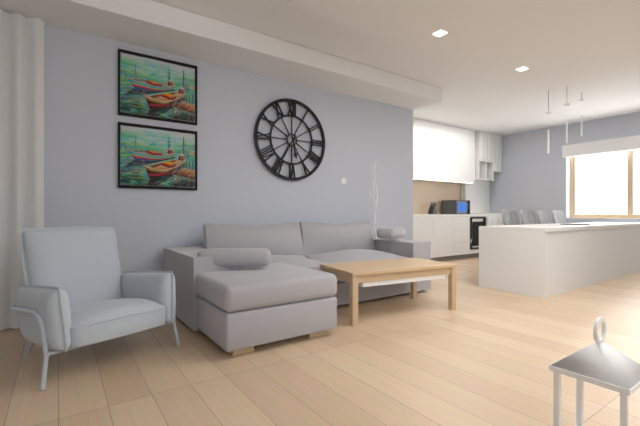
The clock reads **5:35**
